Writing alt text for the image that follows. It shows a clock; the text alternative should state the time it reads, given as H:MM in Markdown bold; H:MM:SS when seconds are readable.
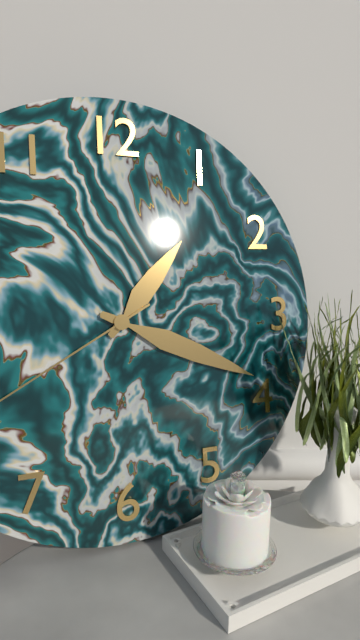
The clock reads **1:19**
